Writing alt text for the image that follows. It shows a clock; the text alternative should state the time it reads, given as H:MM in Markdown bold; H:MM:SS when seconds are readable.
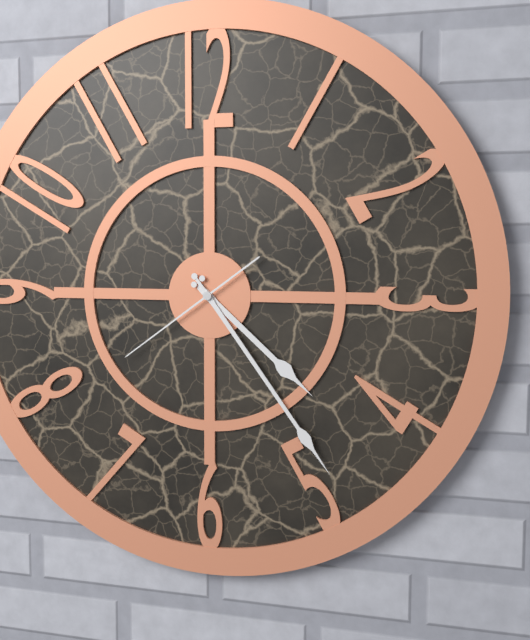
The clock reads **4:24:39**
